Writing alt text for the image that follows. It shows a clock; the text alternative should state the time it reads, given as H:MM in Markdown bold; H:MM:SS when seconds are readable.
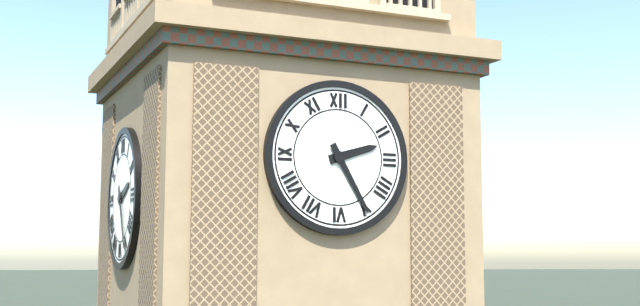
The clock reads **2:25**
